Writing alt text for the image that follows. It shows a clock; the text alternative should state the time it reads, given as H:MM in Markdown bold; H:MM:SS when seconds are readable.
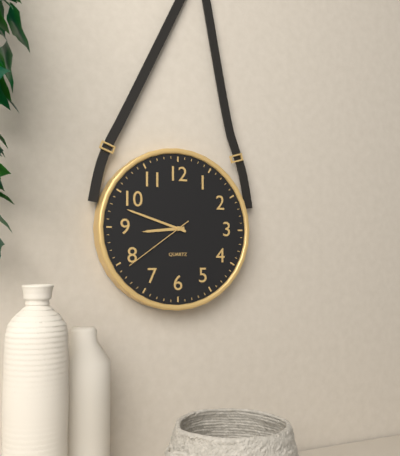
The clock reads **8:48:39**
